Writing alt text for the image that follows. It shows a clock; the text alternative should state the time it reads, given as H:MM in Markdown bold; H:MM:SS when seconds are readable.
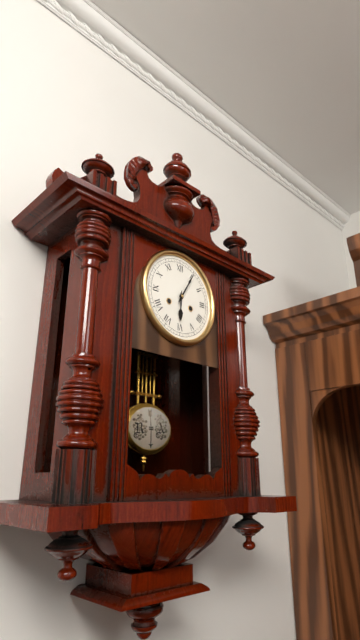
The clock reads **6:05**
